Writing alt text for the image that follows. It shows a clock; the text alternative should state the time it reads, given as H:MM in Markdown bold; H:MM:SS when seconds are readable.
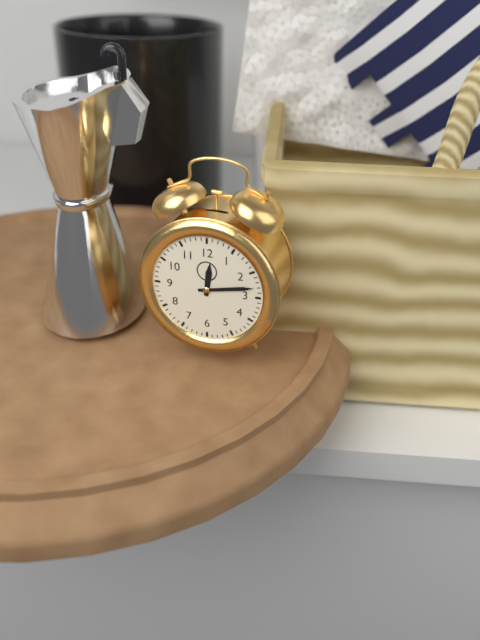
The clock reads **12:13**
